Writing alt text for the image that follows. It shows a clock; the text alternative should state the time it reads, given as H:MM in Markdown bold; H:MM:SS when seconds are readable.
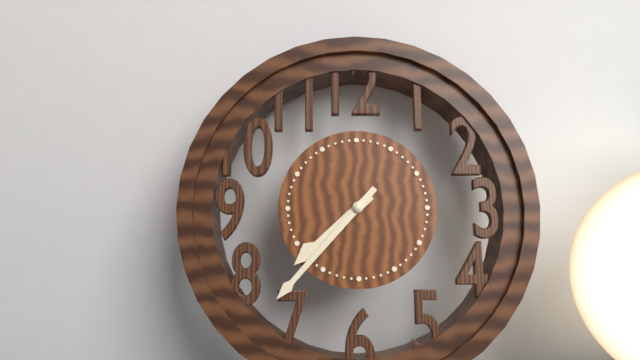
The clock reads **7:37**
